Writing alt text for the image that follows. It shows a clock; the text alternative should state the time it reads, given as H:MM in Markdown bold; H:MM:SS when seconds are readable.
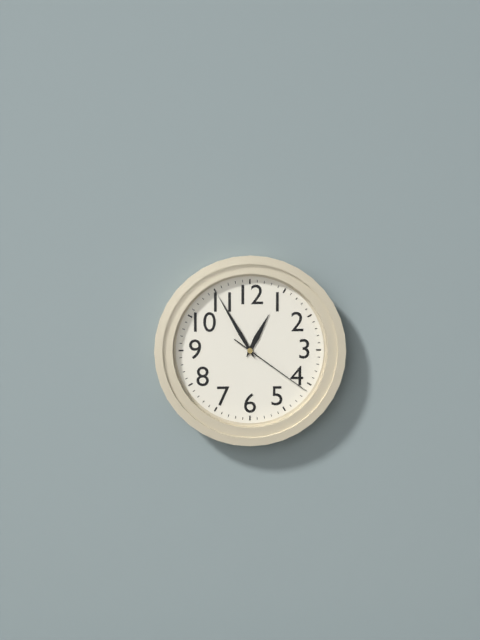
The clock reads **12:55:21**
